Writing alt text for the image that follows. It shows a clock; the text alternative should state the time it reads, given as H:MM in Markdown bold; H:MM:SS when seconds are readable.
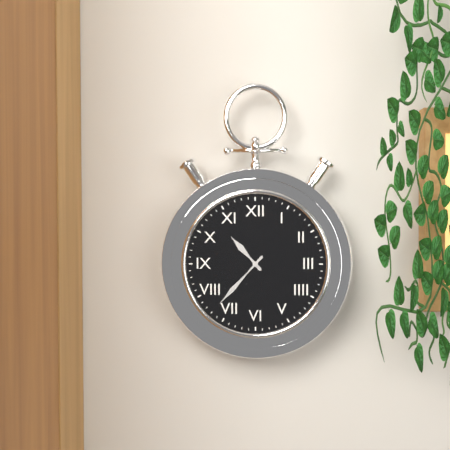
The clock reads **10:37**
